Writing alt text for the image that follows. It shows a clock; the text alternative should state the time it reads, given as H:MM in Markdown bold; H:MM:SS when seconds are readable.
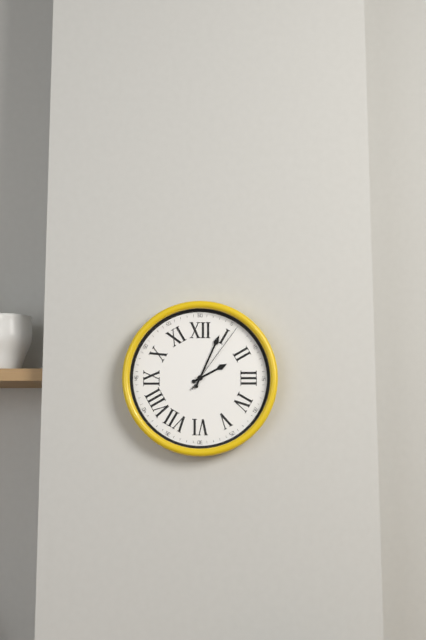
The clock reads **2:04:06**
